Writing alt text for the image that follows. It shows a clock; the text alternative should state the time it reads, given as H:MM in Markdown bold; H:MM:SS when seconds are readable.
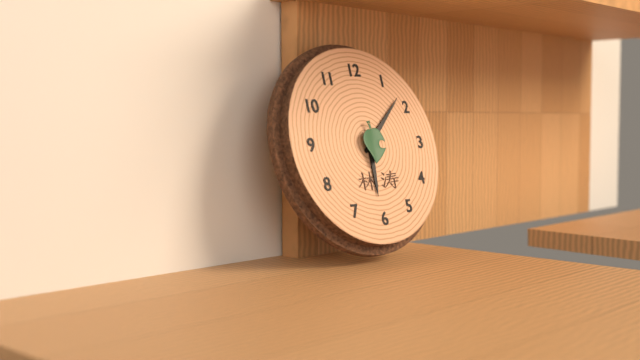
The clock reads **6:08**
